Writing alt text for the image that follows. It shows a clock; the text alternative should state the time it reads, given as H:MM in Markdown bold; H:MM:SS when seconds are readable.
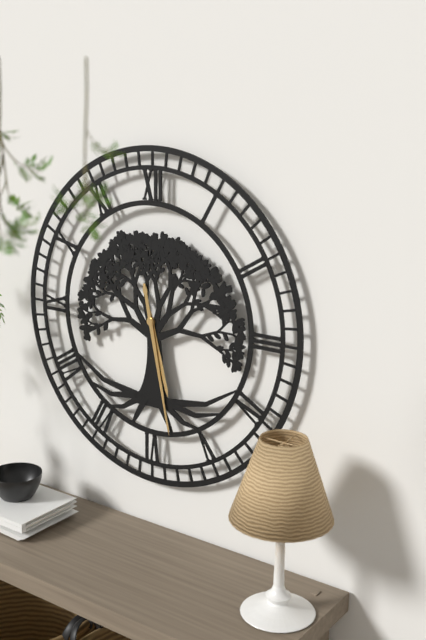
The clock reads **5:28**
